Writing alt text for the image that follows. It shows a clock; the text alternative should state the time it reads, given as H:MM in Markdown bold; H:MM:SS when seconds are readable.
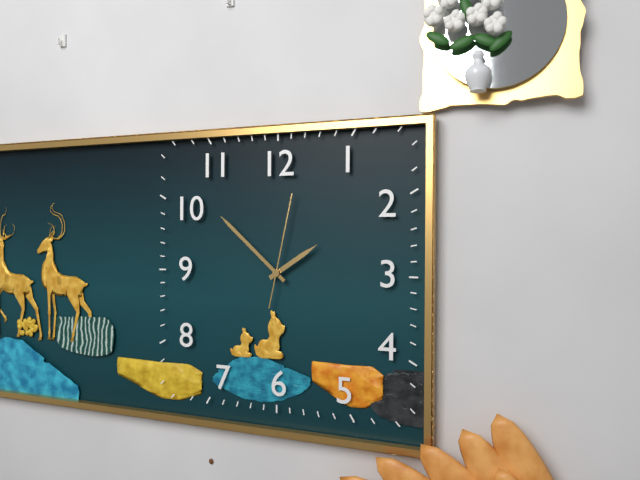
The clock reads **1:52:02**
